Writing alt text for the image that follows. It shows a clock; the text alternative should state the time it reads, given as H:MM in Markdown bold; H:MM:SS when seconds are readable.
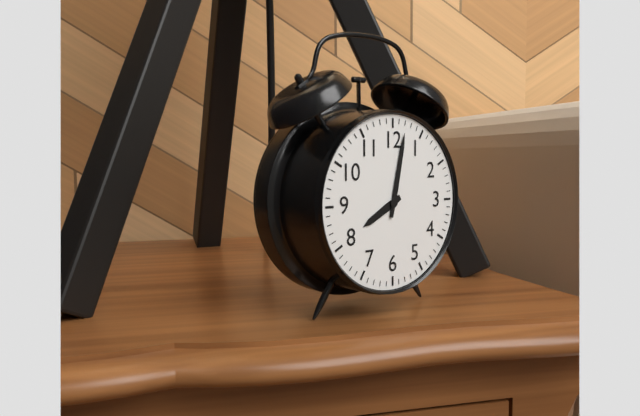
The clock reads **8:02**
